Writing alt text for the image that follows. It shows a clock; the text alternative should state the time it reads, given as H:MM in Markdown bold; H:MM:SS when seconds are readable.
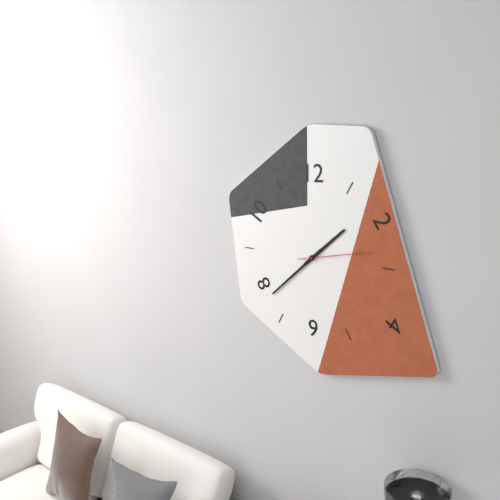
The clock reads **1:38:13**
